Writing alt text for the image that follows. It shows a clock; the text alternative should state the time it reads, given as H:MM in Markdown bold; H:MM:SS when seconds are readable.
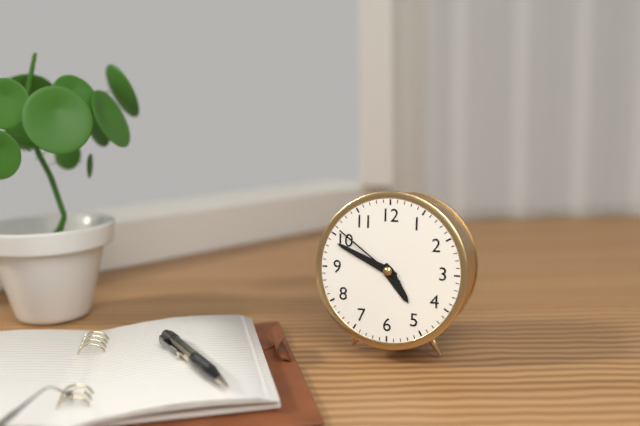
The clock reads **4:49:51**
